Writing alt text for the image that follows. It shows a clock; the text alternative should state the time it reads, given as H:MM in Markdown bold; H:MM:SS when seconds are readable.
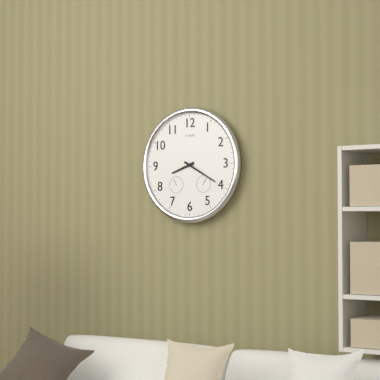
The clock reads **8:20**
